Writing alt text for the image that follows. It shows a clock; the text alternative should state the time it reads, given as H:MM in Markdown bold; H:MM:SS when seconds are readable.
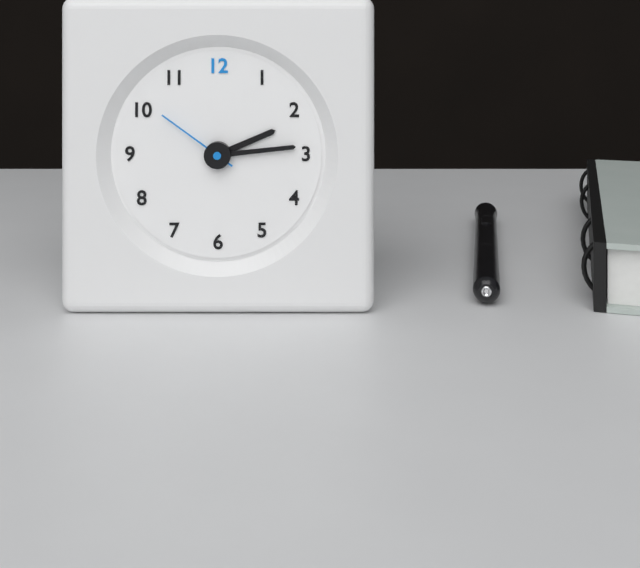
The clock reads **2:14:51**
